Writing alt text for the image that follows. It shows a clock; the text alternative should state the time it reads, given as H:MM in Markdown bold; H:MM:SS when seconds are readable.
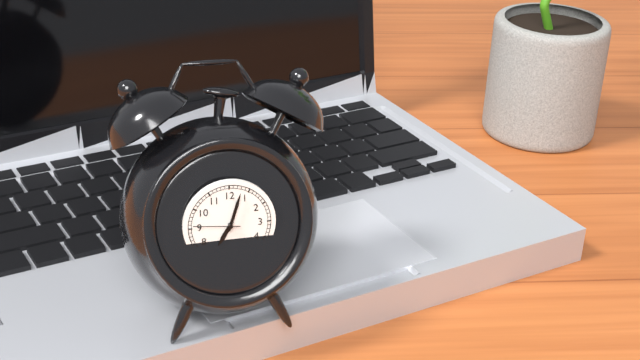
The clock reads **7:03**
